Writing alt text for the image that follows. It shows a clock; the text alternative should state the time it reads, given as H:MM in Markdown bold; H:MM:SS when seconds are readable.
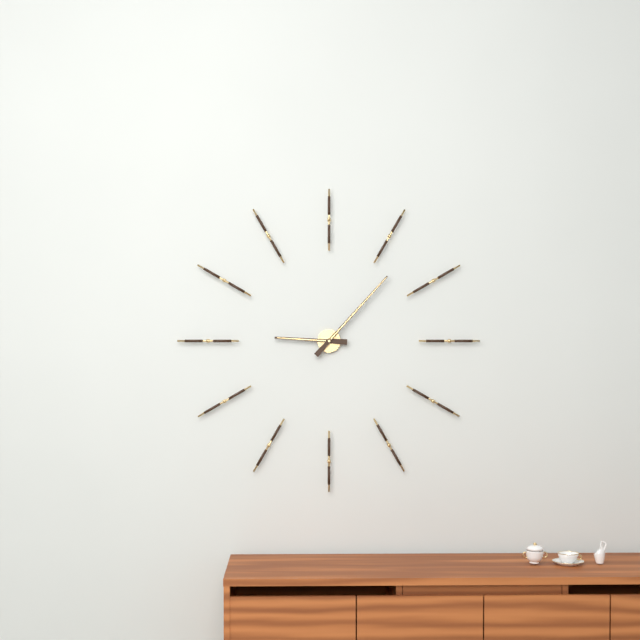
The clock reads **9:07**
